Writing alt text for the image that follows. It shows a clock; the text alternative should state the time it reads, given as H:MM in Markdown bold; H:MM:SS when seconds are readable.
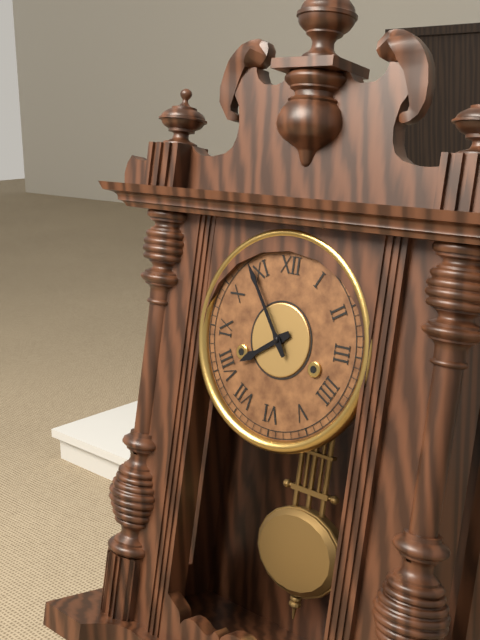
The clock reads **7:54**
